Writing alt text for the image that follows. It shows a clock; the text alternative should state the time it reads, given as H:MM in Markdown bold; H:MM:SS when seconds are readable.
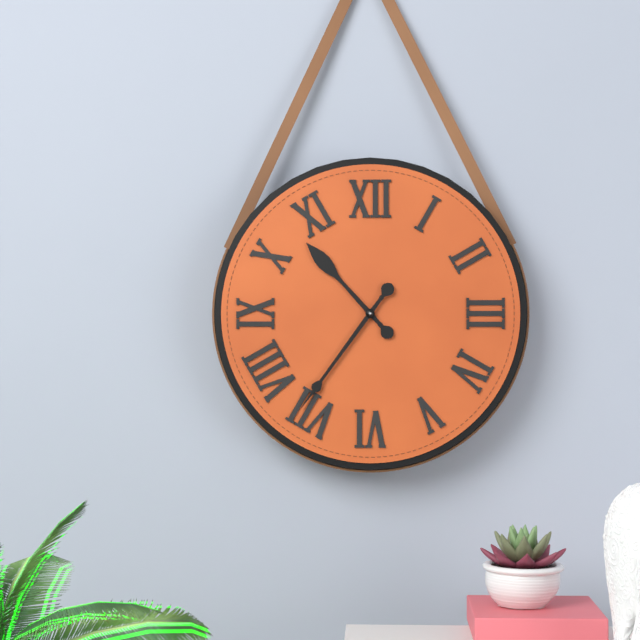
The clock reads **10:36**
